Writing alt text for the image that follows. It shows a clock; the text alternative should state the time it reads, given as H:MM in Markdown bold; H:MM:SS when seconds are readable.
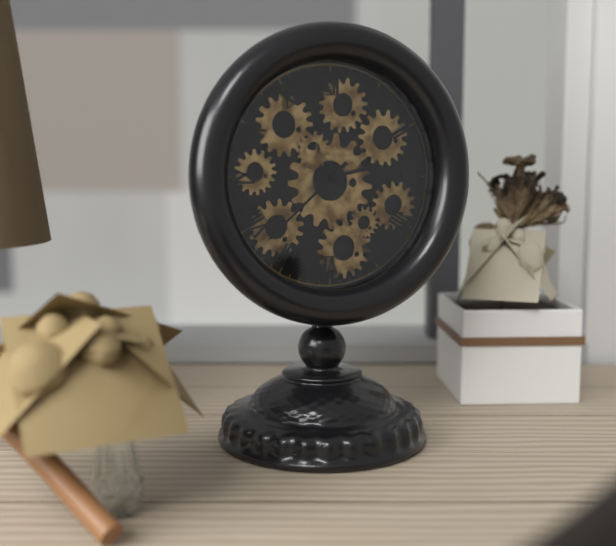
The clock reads **2:38**
